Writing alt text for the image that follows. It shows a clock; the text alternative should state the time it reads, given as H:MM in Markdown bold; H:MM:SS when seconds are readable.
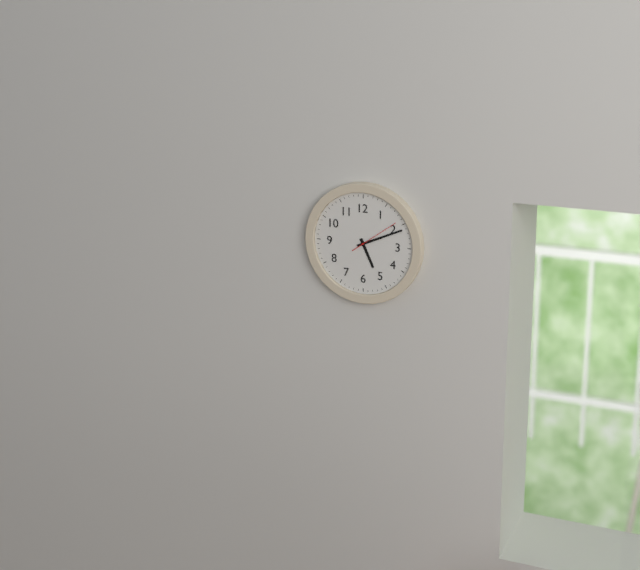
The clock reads **5:11**
